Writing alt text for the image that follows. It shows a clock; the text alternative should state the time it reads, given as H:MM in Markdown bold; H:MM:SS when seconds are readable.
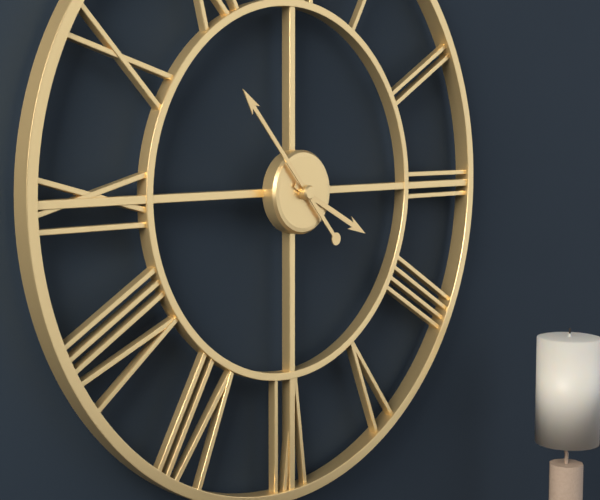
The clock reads **3:53**
